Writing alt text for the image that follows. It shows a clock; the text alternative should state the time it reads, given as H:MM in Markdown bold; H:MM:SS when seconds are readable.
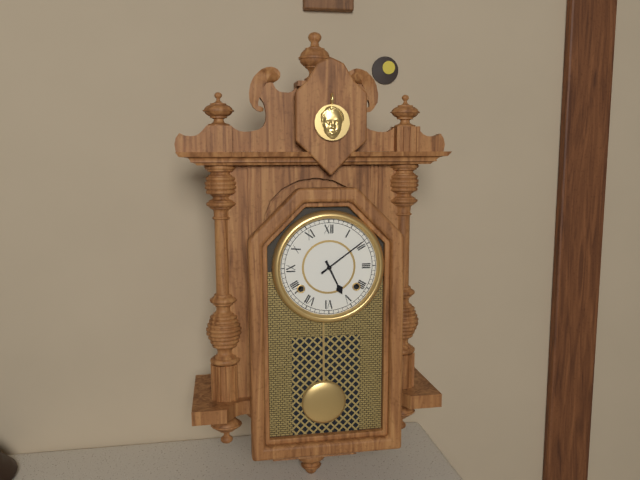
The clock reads **5:09**
